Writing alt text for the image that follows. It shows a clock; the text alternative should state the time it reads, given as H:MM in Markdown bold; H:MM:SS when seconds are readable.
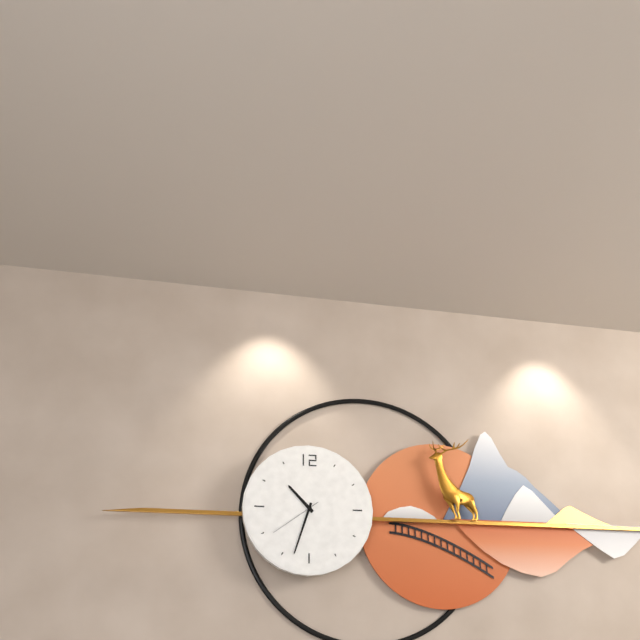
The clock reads **10:33:39**
